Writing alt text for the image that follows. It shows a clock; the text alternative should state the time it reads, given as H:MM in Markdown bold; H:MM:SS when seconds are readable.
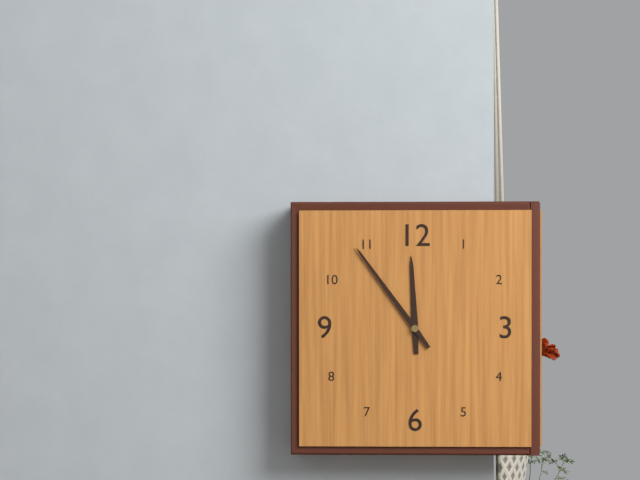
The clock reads **11:54**
